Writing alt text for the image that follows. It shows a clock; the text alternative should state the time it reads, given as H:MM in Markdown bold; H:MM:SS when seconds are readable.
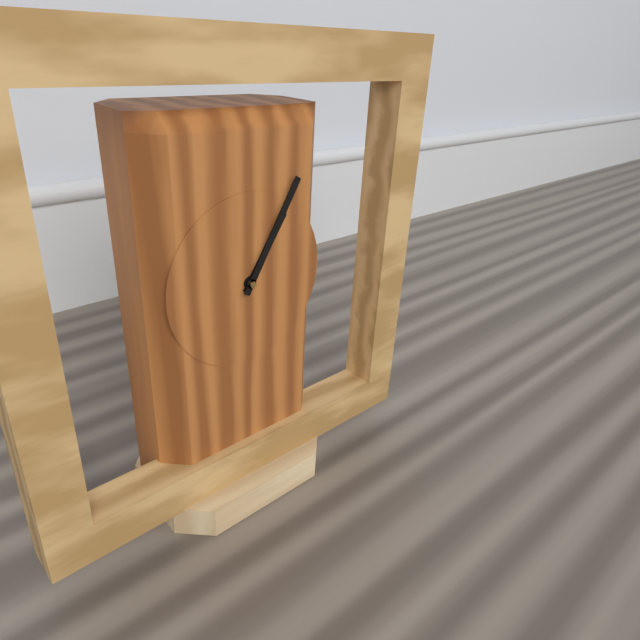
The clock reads **1:05**
